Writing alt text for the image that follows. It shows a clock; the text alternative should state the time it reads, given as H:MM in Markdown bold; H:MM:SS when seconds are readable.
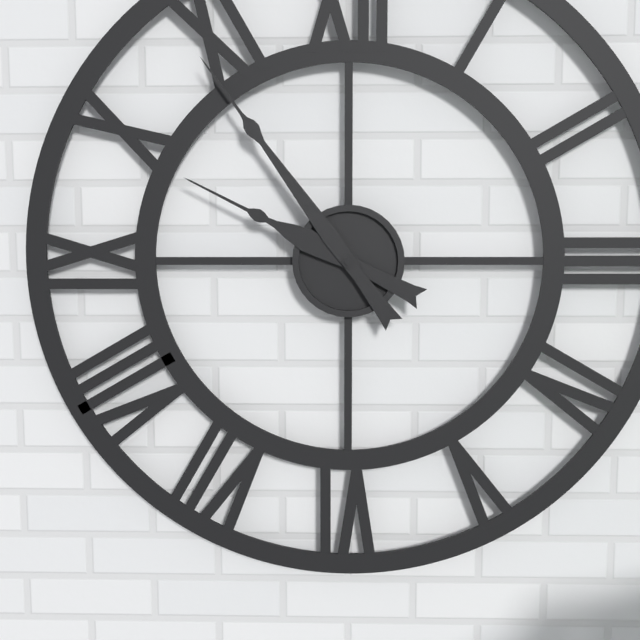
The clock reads **9:54**
